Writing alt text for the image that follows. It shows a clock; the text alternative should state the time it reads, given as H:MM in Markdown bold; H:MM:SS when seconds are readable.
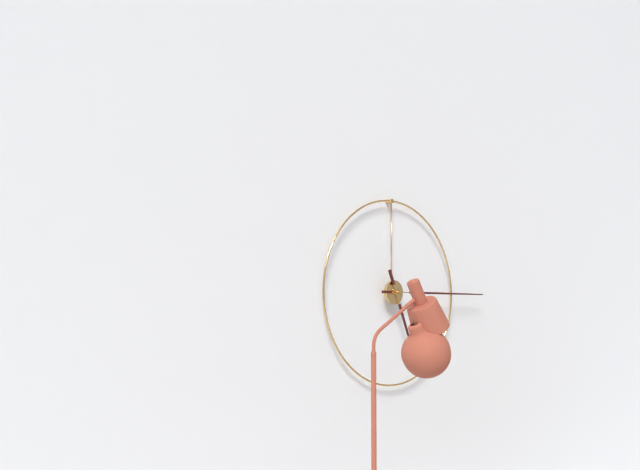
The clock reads **5:15**
